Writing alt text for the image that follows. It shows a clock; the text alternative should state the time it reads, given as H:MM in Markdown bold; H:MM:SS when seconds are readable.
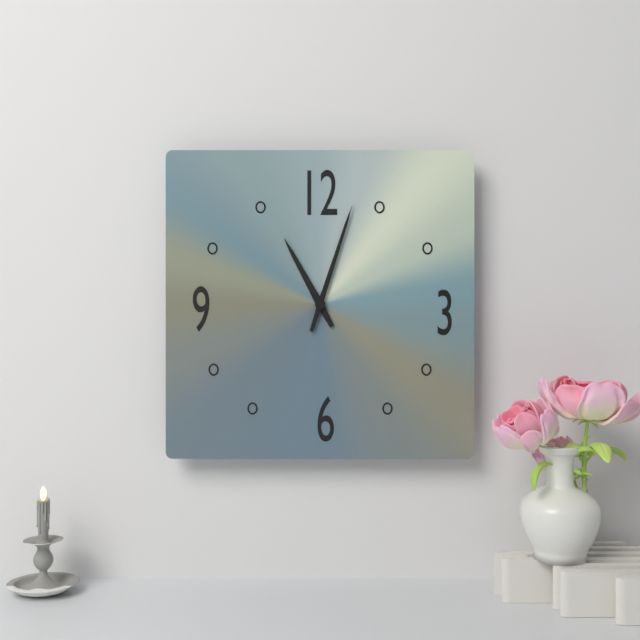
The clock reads **11:03**
